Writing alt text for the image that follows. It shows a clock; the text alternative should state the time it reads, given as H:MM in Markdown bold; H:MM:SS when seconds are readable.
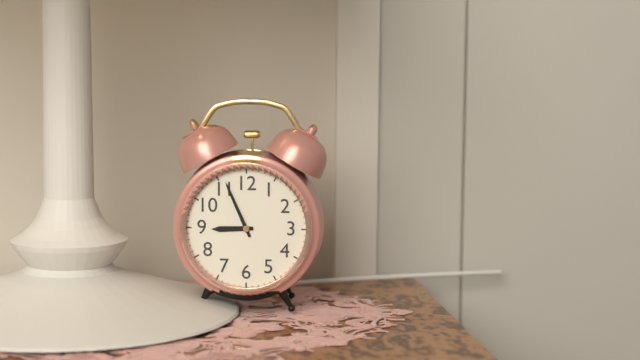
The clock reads **8:56**
